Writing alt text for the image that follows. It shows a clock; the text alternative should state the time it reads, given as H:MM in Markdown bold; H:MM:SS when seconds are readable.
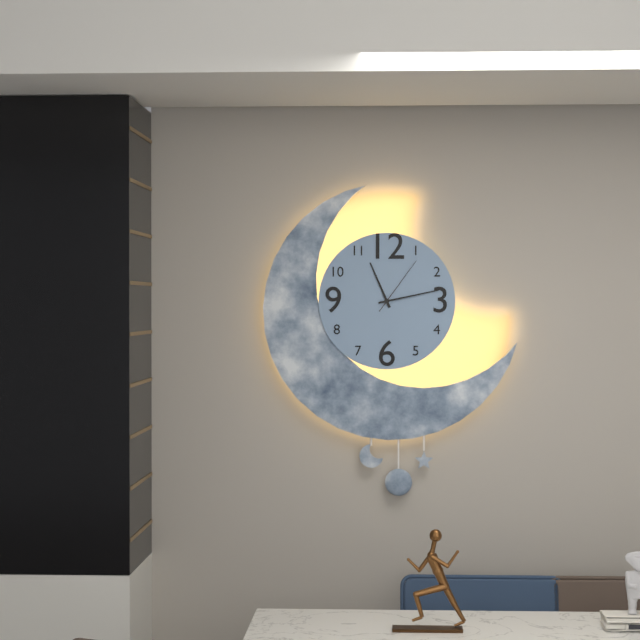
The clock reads **11:13:06**
